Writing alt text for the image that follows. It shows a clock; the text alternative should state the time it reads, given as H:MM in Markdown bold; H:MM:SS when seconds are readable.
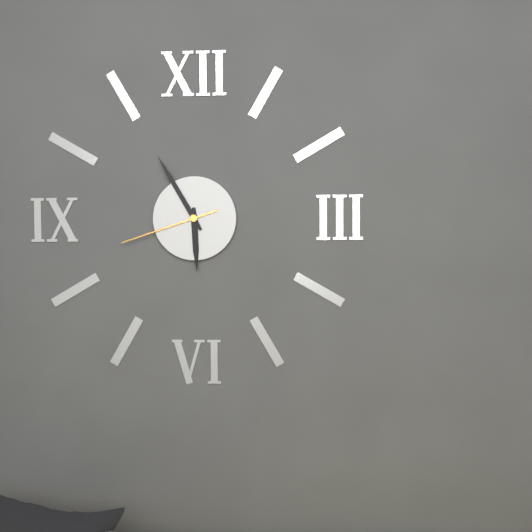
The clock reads **5:55:42**
